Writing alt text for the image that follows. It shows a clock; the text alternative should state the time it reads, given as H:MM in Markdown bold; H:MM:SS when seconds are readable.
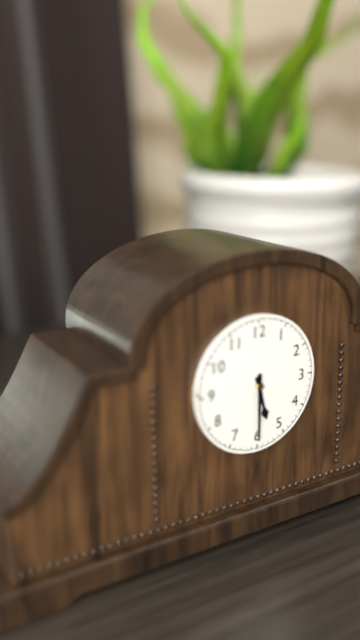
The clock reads **5:30**
